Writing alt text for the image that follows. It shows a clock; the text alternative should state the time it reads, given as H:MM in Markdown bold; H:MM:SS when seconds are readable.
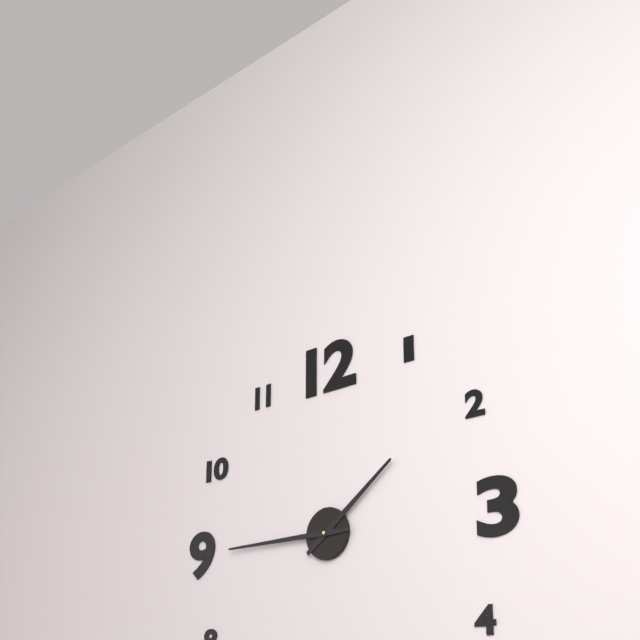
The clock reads **1:45**
